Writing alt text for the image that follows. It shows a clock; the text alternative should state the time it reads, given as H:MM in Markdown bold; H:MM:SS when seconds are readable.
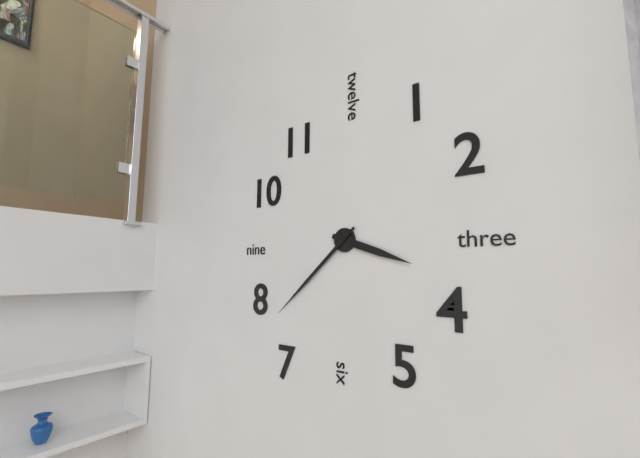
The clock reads **3:38**
